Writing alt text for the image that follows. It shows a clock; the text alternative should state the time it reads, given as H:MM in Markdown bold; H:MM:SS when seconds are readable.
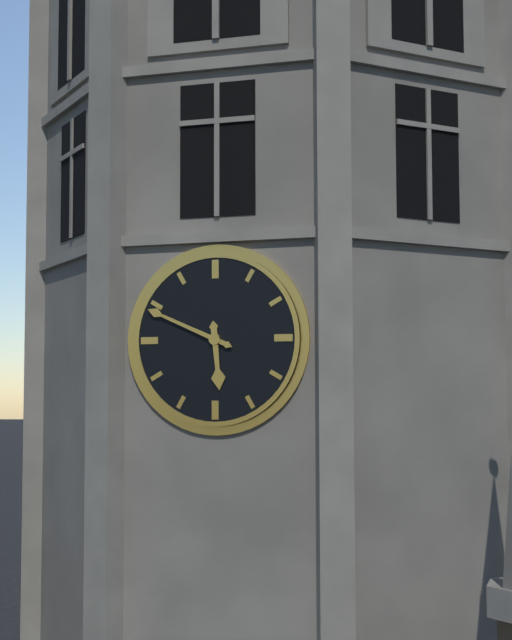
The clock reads **5:49**
